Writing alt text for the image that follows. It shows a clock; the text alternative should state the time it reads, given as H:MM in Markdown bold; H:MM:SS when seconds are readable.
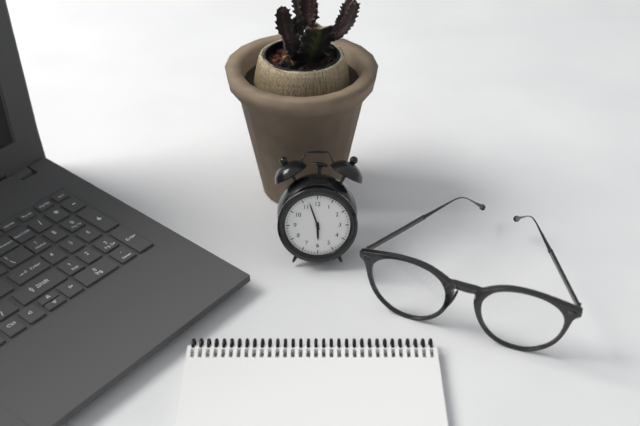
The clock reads **5:57**
